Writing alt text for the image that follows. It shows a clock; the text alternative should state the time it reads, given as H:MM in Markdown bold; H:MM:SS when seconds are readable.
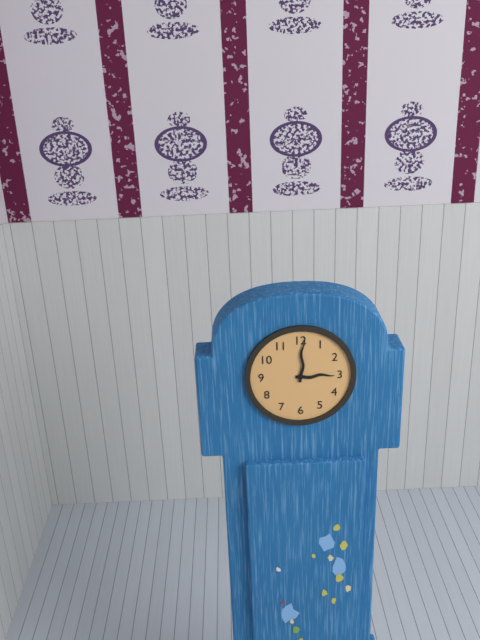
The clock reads **3:01**
